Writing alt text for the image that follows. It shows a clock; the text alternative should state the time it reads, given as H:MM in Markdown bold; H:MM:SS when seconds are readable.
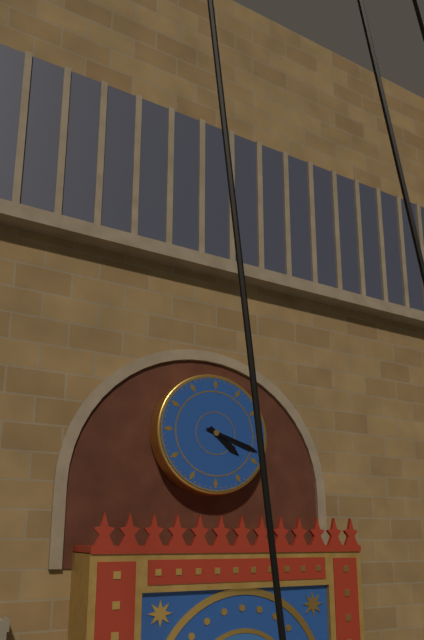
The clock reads **4:18**
